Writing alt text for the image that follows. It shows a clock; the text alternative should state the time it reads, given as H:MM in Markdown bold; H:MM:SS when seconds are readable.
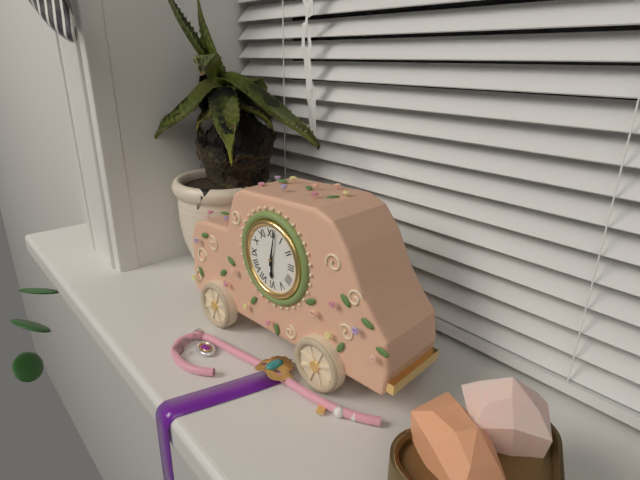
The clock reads **6:02**
